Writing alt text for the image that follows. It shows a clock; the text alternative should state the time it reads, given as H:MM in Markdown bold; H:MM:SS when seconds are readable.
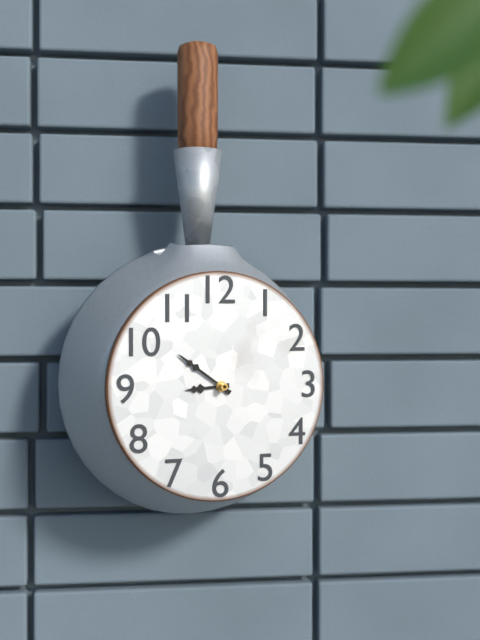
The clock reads **8:51**
